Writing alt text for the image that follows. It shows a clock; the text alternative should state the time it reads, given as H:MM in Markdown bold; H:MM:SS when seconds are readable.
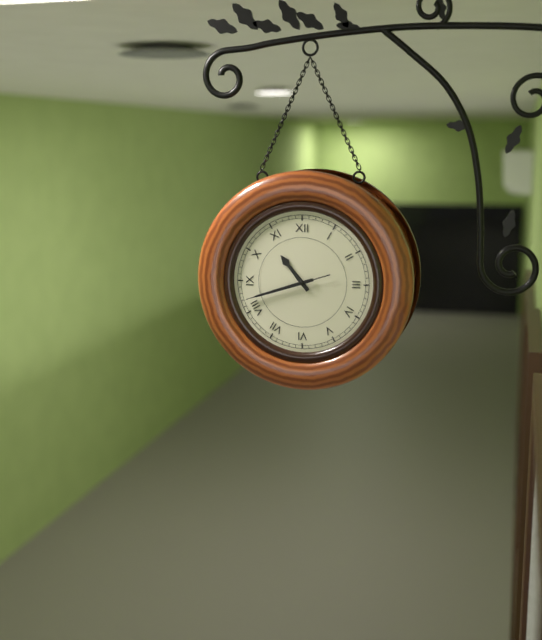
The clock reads **10:42:42**
